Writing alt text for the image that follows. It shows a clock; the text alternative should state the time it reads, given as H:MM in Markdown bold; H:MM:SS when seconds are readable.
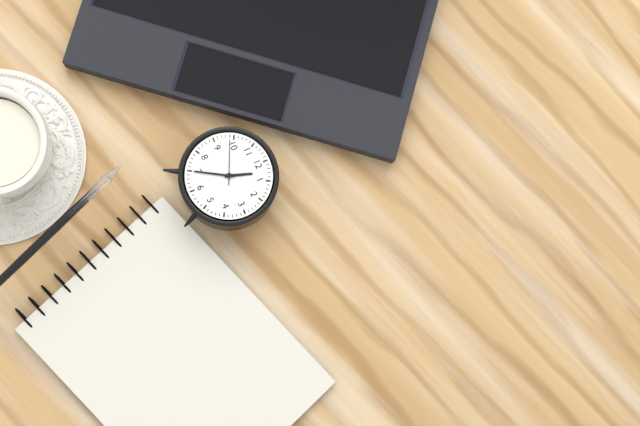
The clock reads **12:35**
